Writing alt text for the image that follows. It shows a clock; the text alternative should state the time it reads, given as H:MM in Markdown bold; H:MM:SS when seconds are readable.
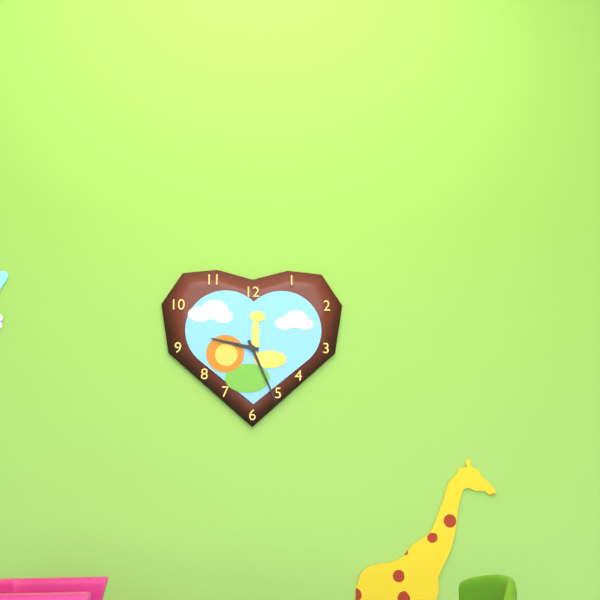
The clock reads **9:26**
